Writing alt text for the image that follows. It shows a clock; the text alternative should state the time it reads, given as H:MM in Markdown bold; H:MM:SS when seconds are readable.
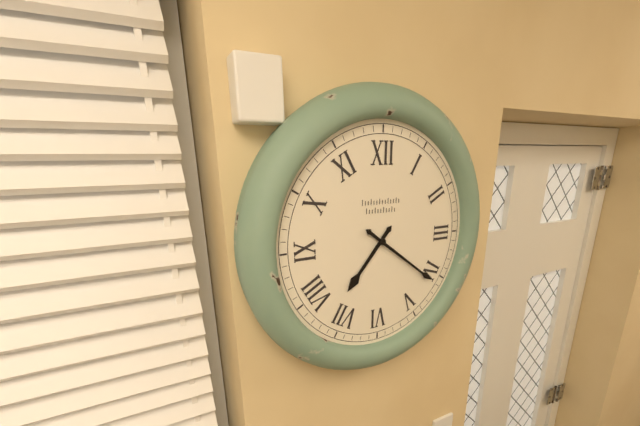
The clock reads **7:21**
